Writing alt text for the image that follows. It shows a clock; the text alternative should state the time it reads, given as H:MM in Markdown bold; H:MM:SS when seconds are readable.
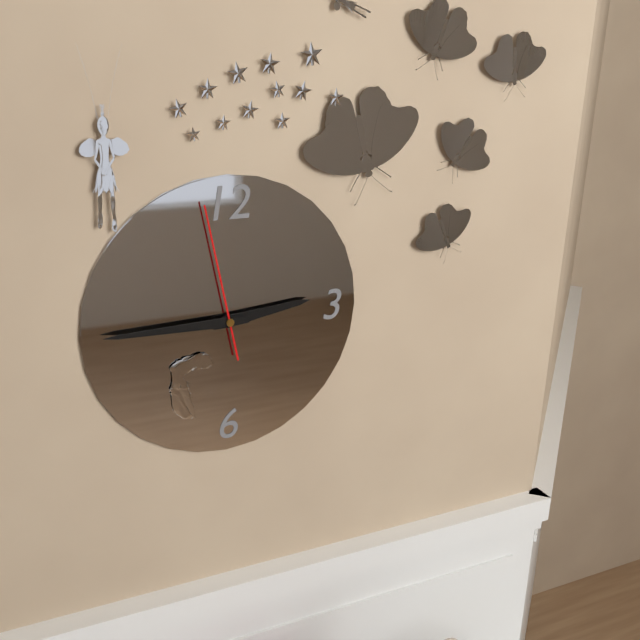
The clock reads **2:45:58**
